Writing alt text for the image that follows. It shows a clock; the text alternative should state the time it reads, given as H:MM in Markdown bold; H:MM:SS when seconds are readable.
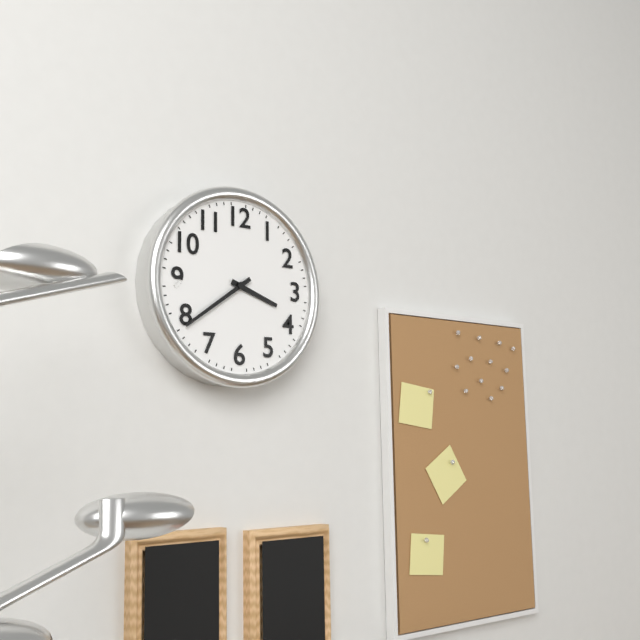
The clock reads **3:39**
